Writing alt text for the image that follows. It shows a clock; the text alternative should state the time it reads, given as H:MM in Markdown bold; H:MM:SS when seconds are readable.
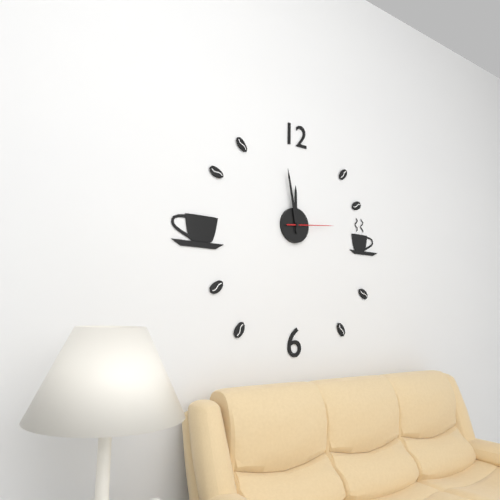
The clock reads **11:58**
